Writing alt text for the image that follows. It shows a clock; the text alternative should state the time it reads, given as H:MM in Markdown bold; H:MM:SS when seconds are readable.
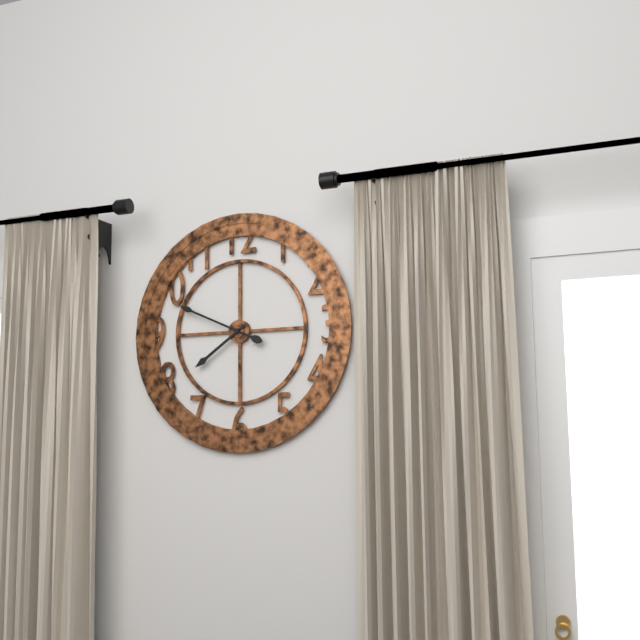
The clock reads **7:49**
